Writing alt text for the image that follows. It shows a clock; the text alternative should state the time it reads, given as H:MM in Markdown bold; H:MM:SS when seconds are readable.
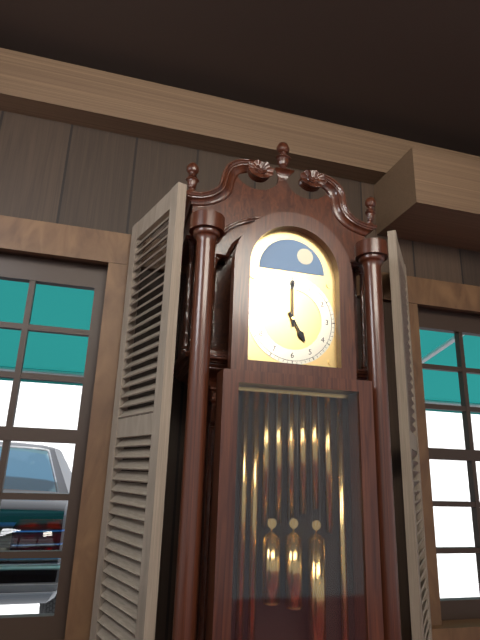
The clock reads **5:00**
